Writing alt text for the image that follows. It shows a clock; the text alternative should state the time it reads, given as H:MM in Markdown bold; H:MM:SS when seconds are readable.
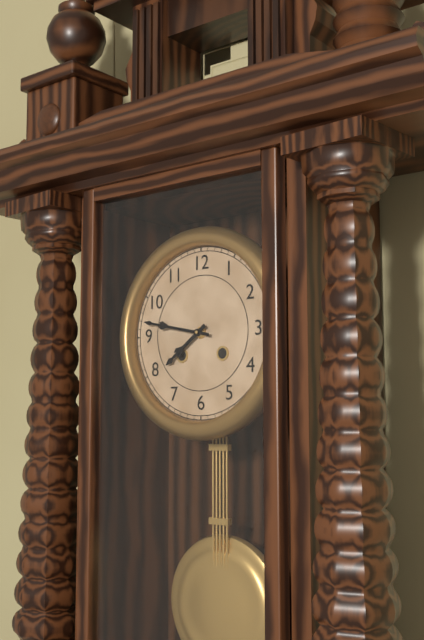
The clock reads **7:47**
